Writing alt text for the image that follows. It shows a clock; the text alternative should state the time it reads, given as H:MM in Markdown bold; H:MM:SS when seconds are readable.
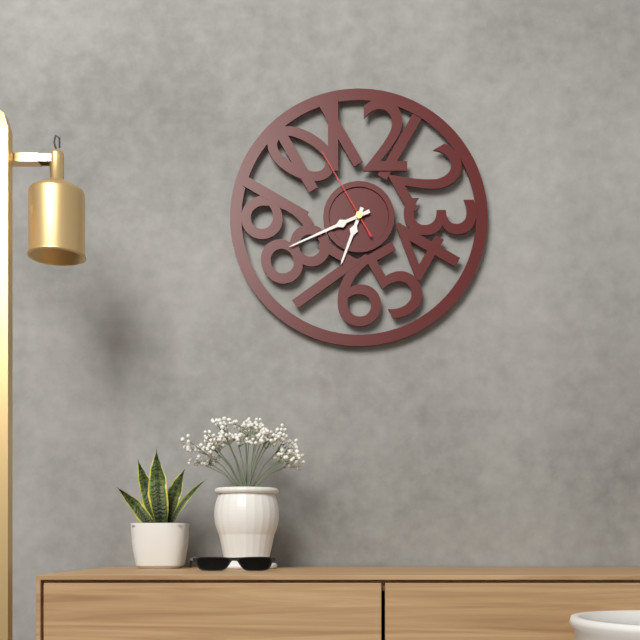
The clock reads **6:41:55**
